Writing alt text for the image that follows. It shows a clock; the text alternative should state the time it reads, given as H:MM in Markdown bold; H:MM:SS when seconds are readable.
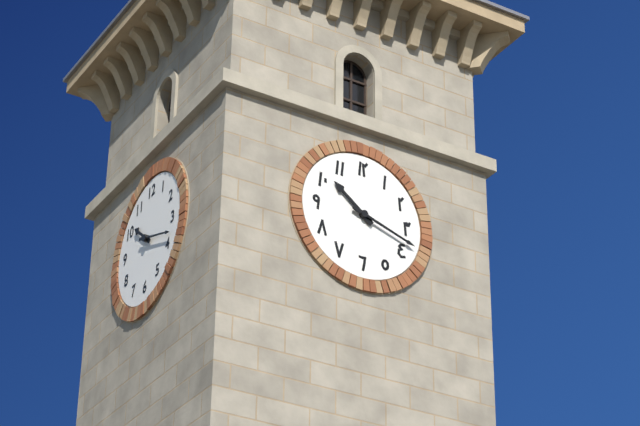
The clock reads **10:18**
